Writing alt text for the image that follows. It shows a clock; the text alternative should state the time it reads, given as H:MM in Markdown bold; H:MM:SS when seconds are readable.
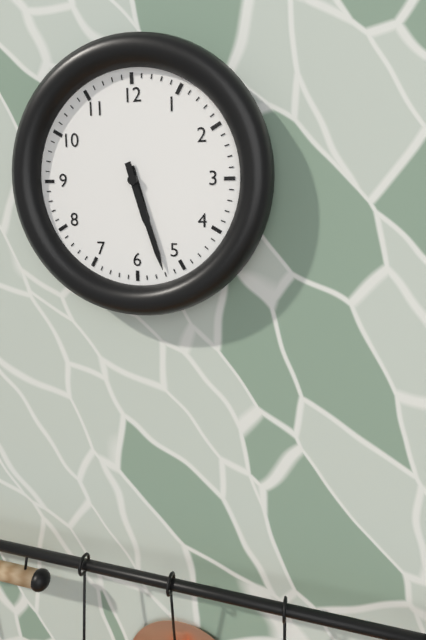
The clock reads **5:27**
